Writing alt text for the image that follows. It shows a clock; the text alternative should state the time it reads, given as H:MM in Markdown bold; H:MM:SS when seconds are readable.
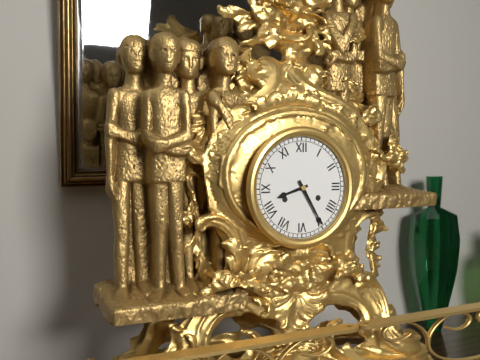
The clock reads **8:25**
